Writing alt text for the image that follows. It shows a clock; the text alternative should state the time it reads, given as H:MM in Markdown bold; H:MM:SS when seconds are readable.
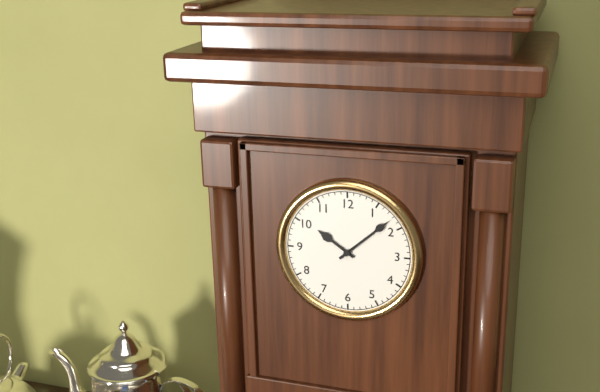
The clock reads **10:08**
